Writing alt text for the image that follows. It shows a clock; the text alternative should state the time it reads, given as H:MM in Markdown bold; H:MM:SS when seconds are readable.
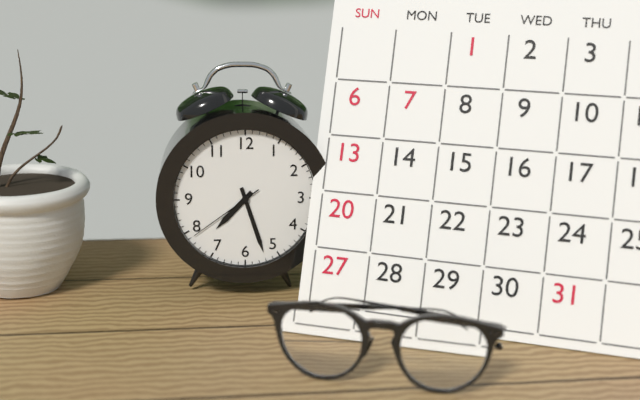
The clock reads **7:27:39**
